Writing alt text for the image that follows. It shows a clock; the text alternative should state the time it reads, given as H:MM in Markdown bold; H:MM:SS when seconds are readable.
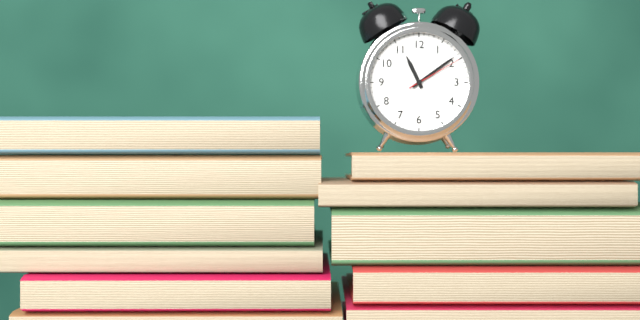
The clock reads **11:09:10**
